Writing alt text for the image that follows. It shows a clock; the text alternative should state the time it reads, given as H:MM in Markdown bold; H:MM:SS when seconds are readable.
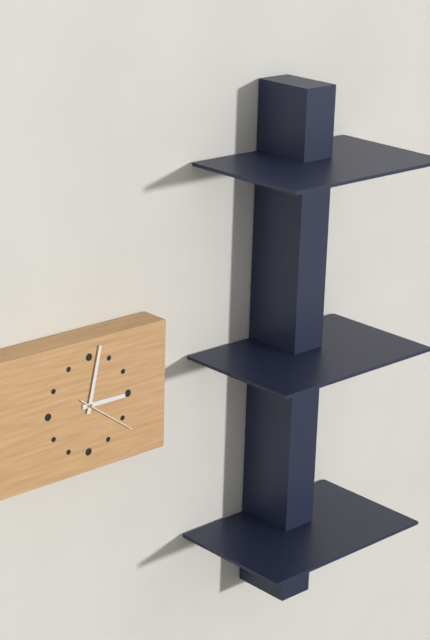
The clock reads **3:02:21**
